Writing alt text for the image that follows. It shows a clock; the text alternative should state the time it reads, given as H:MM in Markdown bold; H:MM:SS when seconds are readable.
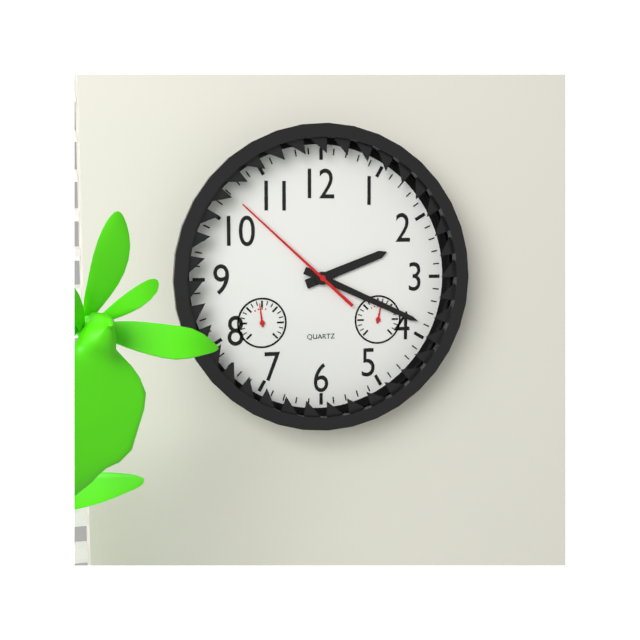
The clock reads **2:19:52**
